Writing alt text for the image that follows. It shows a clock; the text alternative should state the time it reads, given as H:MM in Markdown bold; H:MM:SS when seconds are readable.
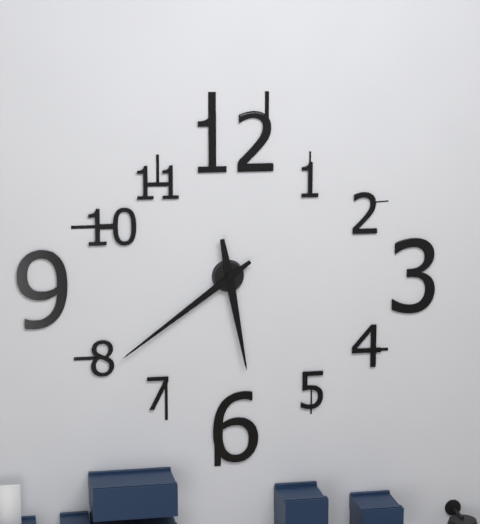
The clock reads **5:39**
